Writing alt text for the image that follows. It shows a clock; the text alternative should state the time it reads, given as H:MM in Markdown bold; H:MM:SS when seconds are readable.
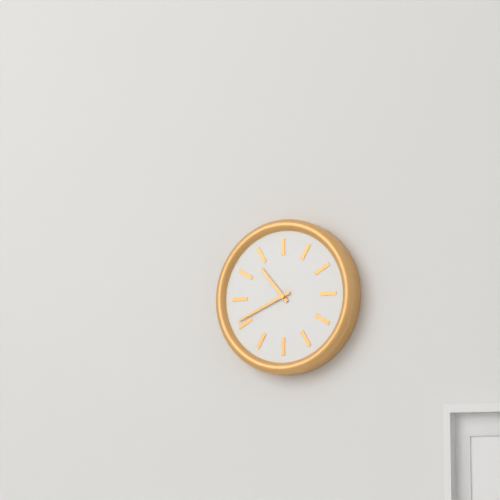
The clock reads **10:41**
